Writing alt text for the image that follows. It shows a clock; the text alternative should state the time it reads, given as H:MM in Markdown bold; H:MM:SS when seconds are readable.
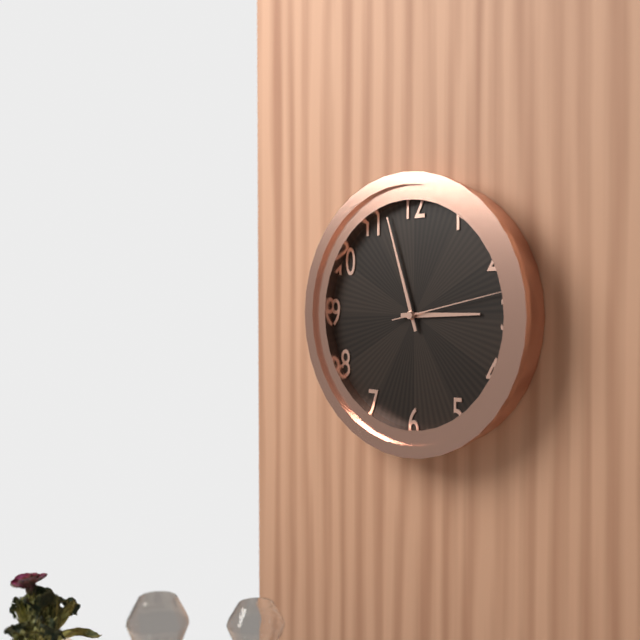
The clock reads **2:57:13**
